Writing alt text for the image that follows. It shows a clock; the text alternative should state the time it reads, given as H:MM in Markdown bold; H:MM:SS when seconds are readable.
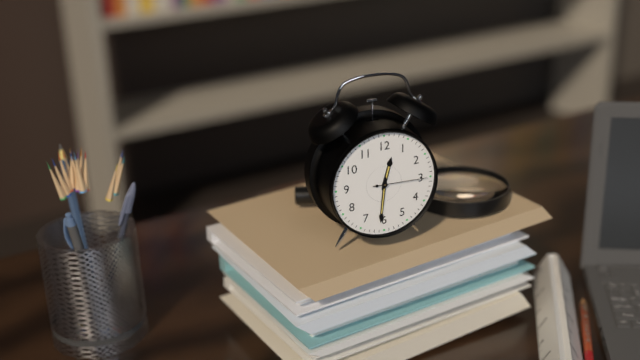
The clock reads **12:31:15**
